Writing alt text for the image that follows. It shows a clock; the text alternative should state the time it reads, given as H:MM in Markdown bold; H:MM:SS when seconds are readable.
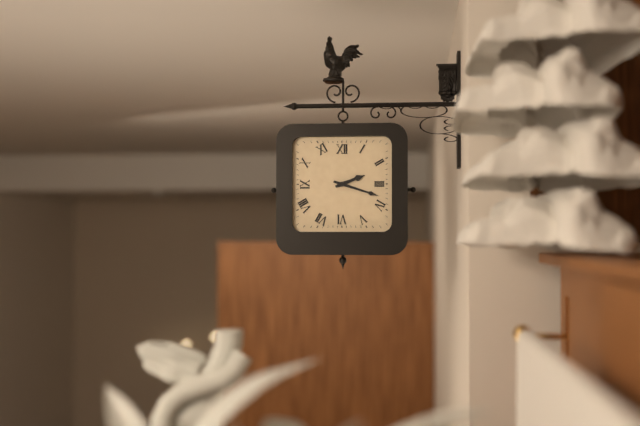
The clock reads **2:18**
